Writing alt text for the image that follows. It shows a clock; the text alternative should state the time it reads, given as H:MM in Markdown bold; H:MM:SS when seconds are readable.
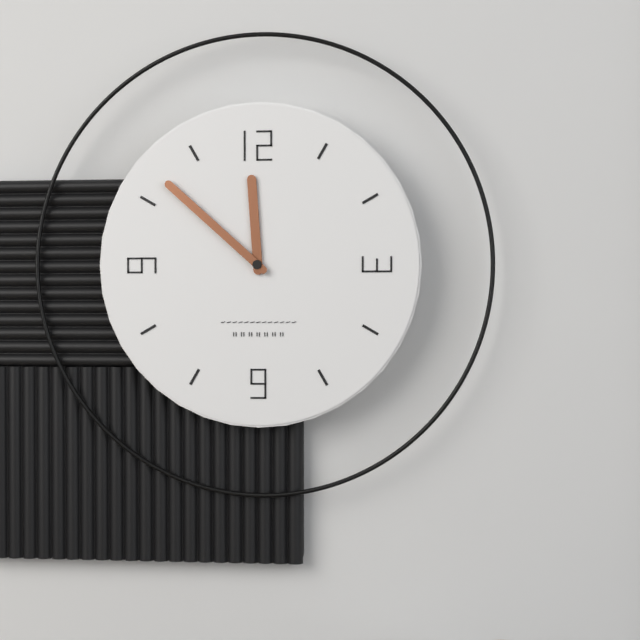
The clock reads **11:52**
